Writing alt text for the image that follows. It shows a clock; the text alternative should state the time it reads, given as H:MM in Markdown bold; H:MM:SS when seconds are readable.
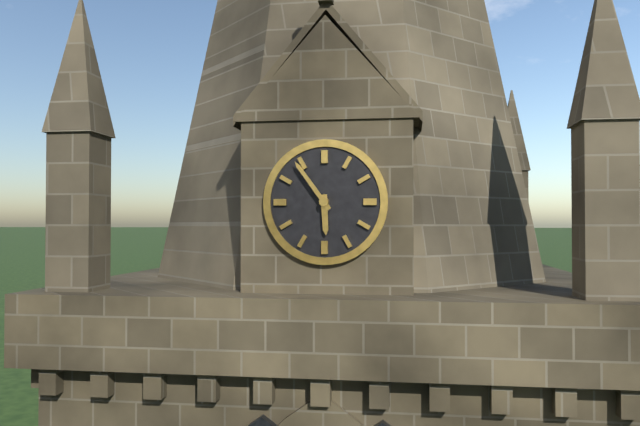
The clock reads **5:54**
